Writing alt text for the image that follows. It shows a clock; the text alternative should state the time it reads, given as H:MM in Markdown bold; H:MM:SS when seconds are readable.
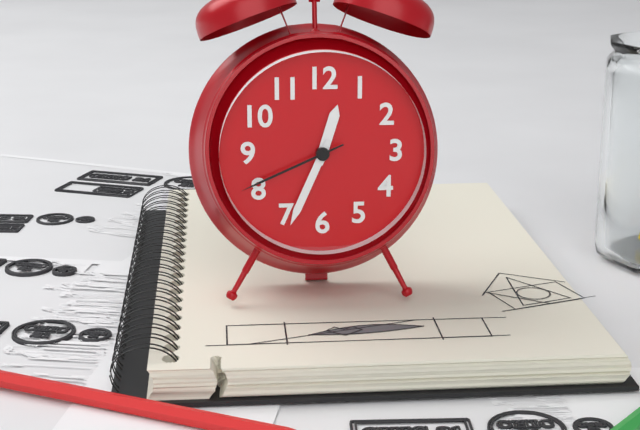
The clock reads **12:34:41**
